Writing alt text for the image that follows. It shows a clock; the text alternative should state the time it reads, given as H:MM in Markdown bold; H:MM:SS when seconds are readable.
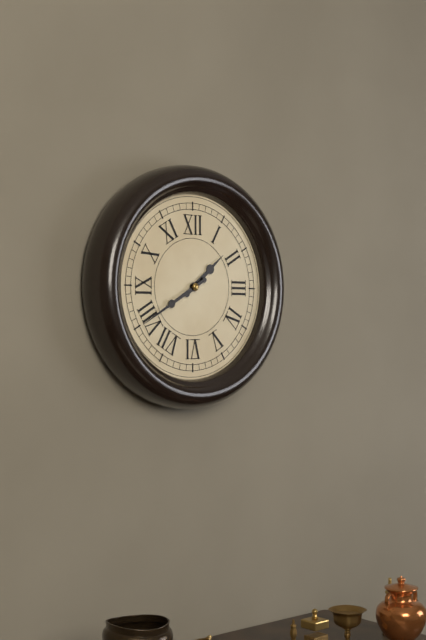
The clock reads **1:40**
